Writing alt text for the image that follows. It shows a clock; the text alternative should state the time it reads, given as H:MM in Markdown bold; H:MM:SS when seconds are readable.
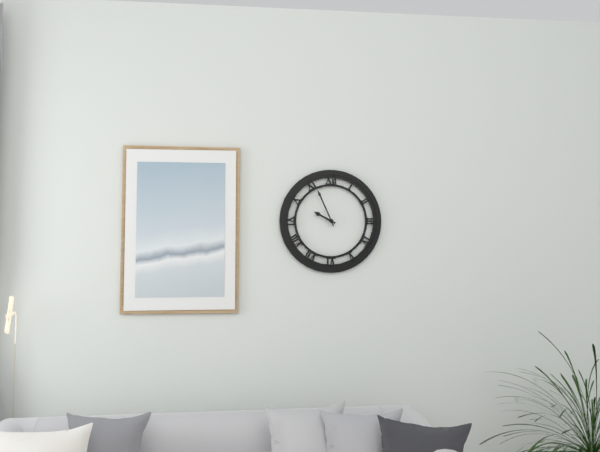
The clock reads **9:56**
